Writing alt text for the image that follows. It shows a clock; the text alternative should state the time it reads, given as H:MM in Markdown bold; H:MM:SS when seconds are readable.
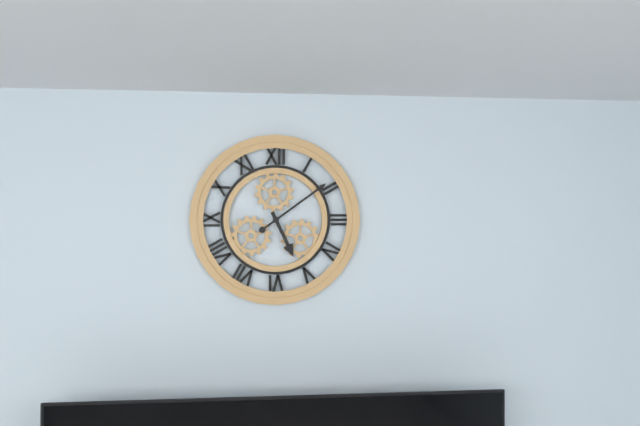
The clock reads **5:09**
